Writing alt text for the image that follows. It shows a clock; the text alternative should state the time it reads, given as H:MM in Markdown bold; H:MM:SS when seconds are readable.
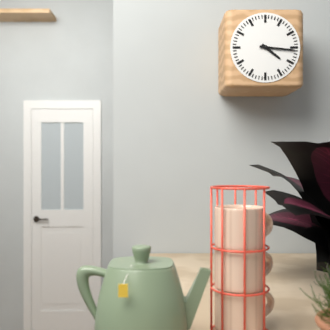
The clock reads **4:16**
